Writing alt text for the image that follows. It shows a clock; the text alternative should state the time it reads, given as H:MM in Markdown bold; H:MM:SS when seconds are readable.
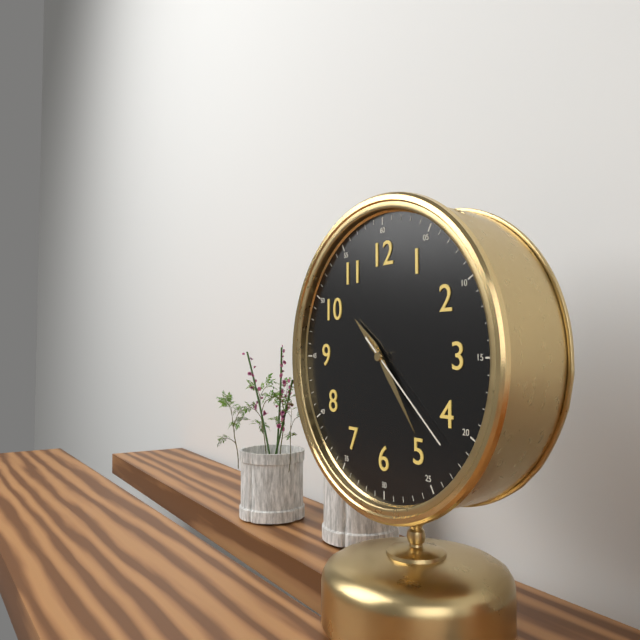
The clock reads **10:24:22**
